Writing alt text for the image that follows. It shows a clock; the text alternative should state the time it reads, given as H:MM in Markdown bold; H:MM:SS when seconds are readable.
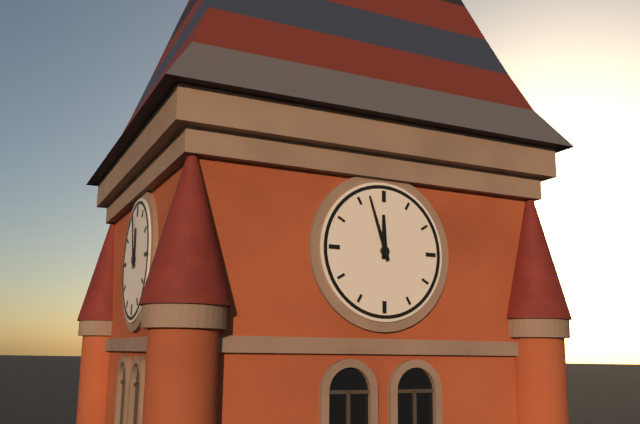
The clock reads **11:57**
